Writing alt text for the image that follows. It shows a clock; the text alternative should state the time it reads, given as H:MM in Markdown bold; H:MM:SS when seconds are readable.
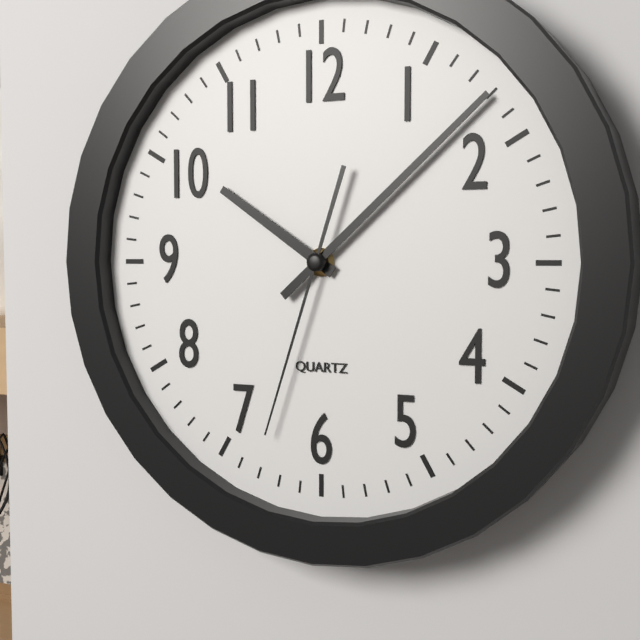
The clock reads **10:08:33**
